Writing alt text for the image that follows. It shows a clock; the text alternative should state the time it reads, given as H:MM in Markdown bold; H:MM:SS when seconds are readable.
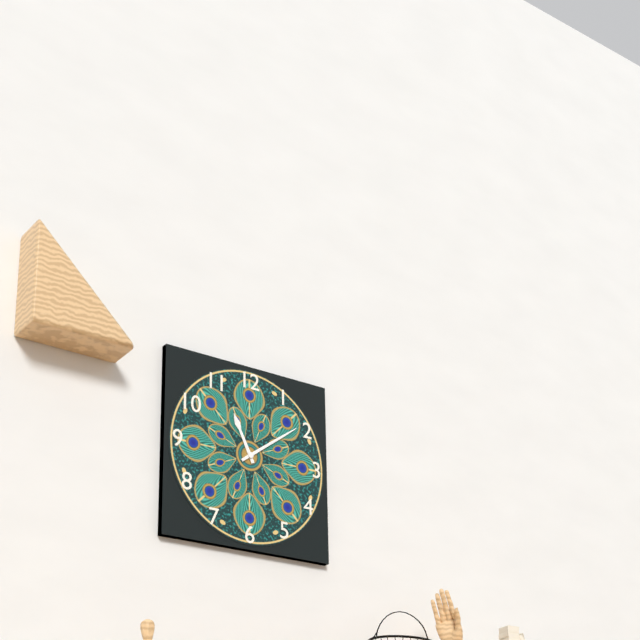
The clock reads **11:09**
